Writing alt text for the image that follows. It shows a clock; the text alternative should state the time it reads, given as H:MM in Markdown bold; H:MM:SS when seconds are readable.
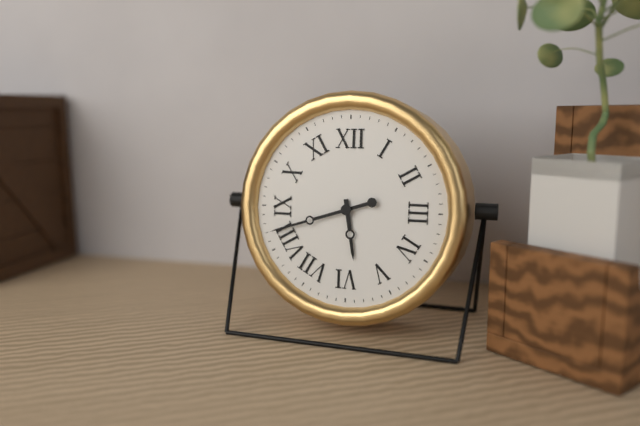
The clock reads **5:42**
